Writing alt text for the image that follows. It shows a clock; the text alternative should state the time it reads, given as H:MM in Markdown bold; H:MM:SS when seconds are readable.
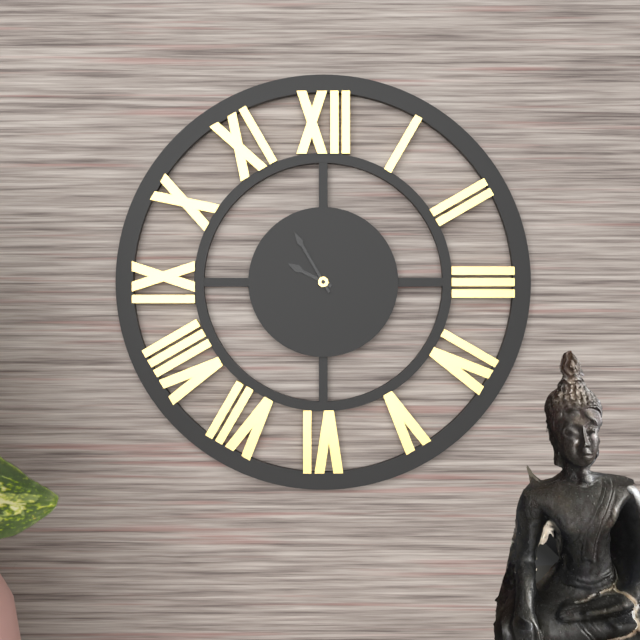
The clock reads **9:55**
